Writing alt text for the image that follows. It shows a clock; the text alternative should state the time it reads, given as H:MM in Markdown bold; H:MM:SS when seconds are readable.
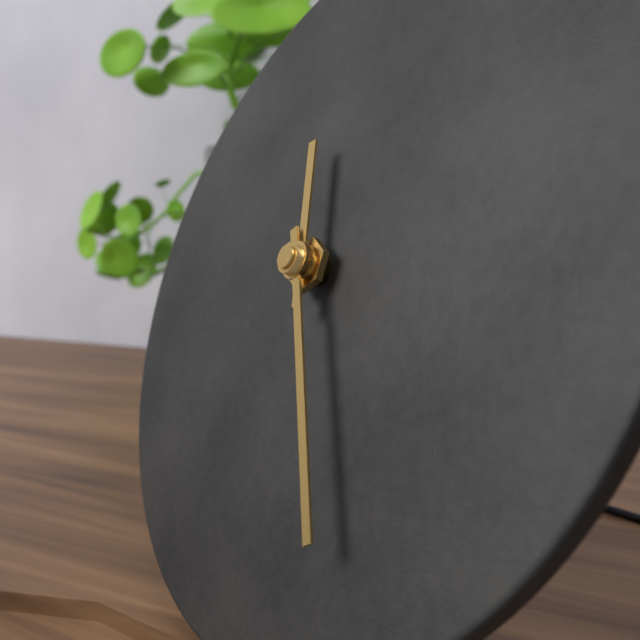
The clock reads **11:25**
